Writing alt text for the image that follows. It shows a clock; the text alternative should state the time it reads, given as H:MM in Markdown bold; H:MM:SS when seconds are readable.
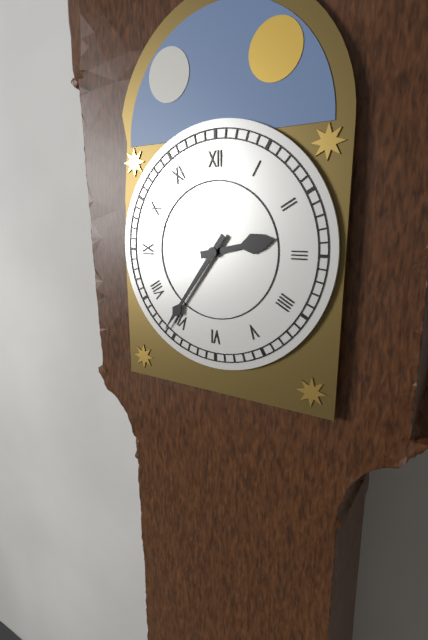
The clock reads **2:36**
